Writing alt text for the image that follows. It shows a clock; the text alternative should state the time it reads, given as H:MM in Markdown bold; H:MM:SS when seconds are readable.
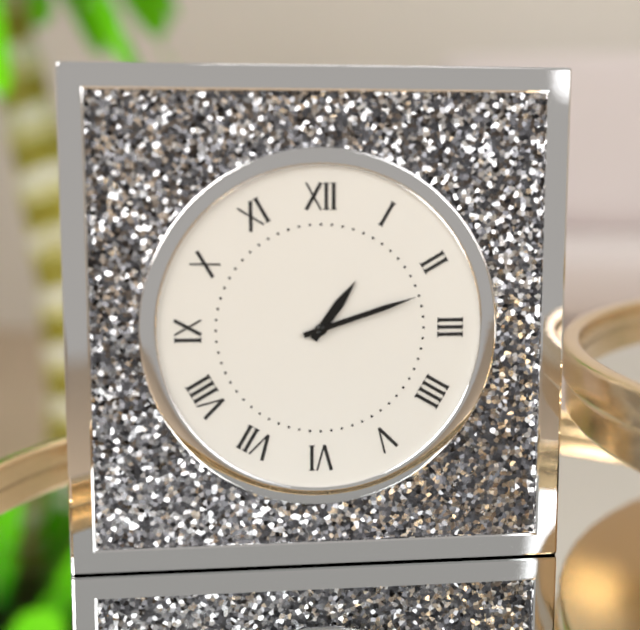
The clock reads **1:12**
